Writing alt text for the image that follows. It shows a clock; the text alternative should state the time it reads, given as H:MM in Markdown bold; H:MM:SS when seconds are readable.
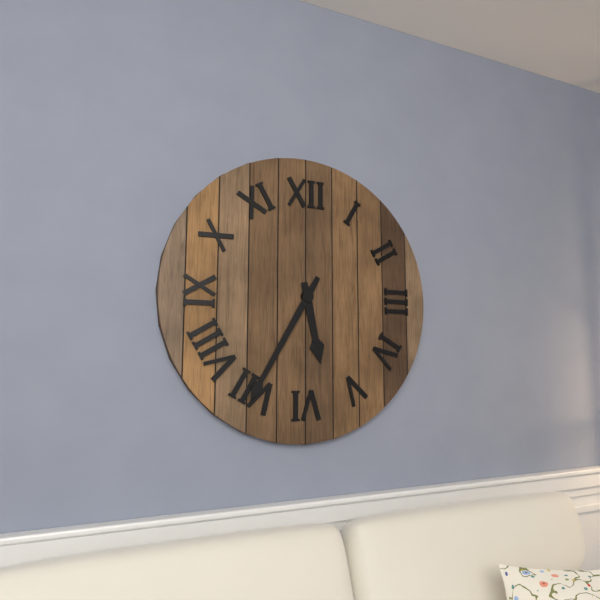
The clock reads **5:35**
